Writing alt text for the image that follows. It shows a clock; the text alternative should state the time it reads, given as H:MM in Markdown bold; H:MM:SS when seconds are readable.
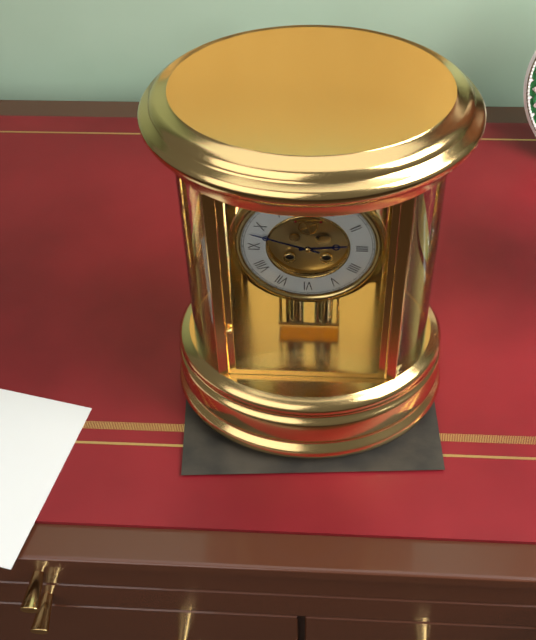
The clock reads **2:48**
